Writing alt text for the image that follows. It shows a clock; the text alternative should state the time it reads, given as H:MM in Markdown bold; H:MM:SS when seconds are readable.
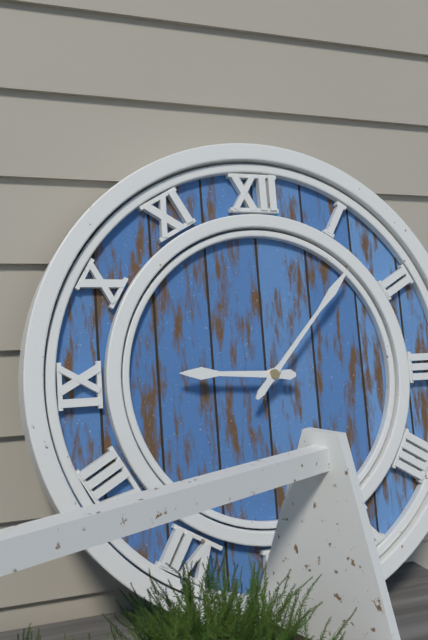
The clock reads **9:07**
